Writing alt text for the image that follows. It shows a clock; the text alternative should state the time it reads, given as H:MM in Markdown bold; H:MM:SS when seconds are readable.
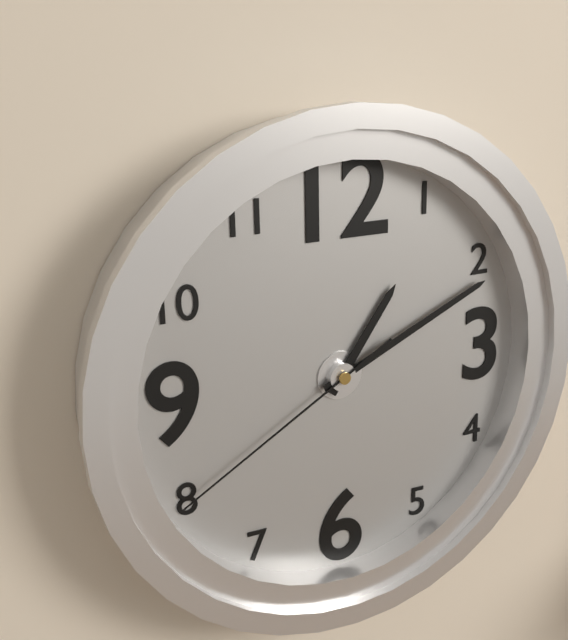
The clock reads **1:11:40**
